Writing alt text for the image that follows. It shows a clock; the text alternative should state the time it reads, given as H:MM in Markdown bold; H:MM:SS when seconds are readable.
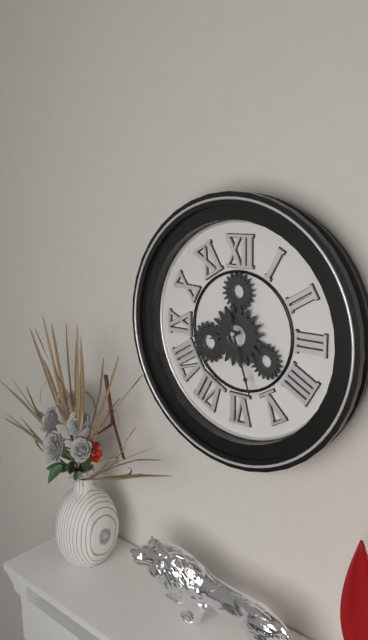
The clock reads **8:27**
